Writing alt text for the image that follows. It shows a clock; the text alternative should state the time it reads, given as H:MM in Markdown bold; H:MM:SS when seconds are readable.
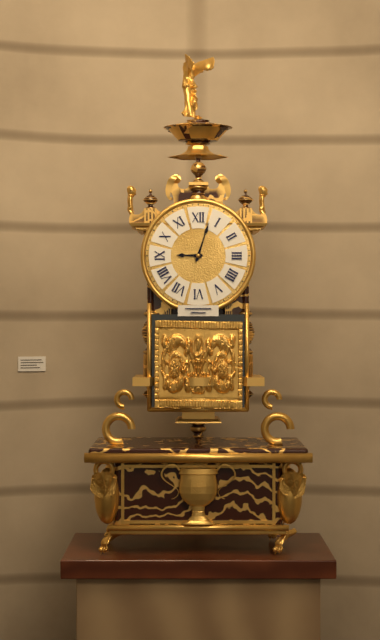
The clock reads **9:03**
